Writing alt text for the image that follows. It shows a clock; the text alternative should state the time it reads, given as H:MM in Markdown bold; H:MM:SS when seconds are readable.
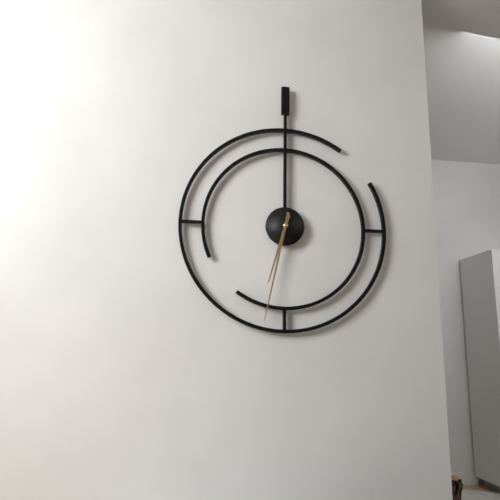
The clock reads **6:32**
